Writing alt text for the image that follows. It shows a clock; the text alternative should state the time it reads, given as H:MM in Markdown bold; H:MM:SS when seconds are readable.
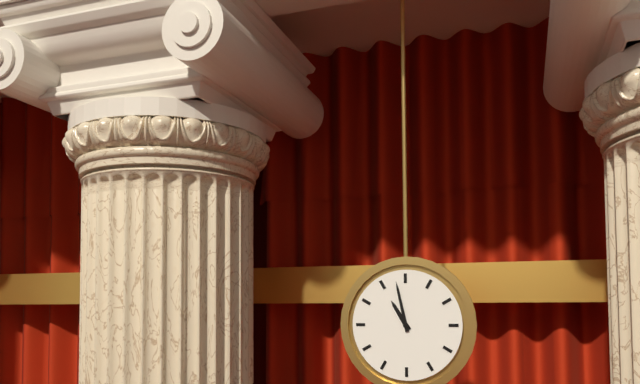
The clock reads **10:58**
